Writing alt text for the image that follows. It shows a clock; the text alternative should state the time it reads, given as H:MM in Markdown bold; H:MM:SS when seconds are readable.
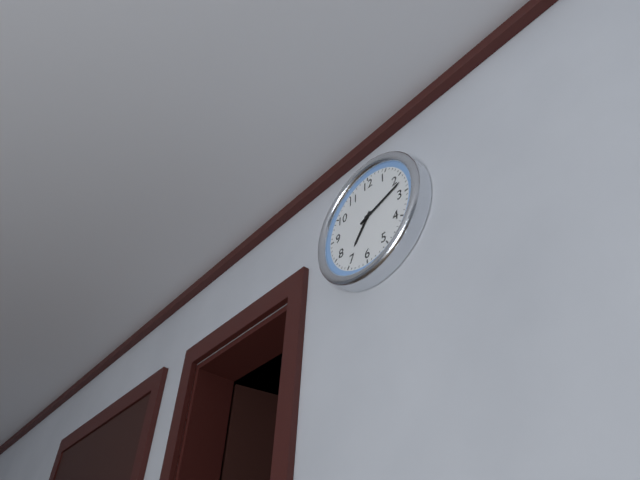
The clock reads **7:12**
